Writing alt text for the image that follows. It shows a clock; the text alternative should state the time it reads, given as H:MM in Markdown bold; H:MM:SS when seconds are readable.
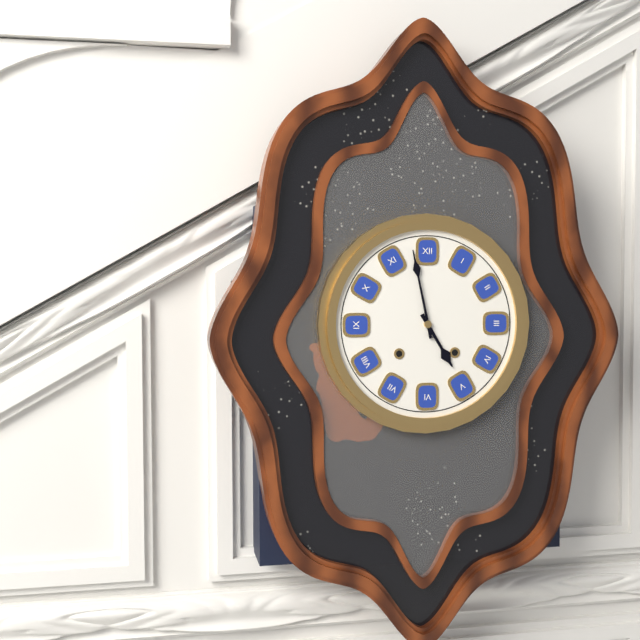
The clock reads **4:58**
